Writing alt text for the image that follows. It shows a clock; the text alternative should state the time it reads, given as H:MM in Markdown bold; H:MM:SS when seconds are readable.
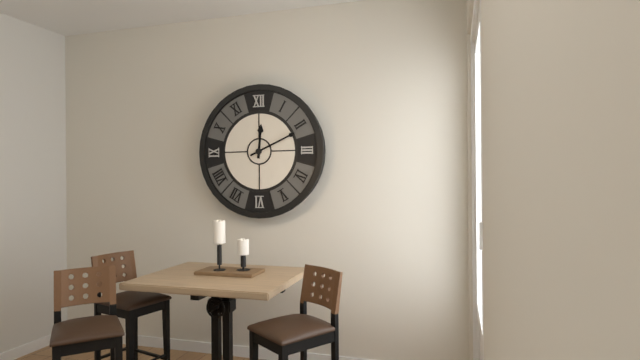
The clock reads **12:11**
